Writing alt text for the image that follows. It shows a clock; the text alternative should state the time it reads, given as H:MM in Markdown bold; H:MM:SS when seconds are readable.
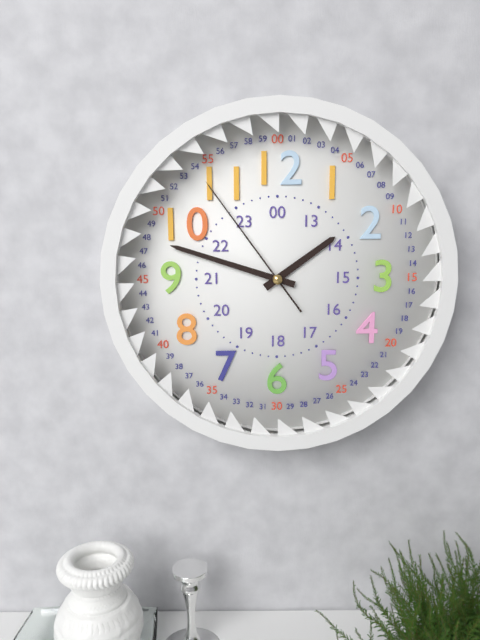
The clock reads **1:48:54**
